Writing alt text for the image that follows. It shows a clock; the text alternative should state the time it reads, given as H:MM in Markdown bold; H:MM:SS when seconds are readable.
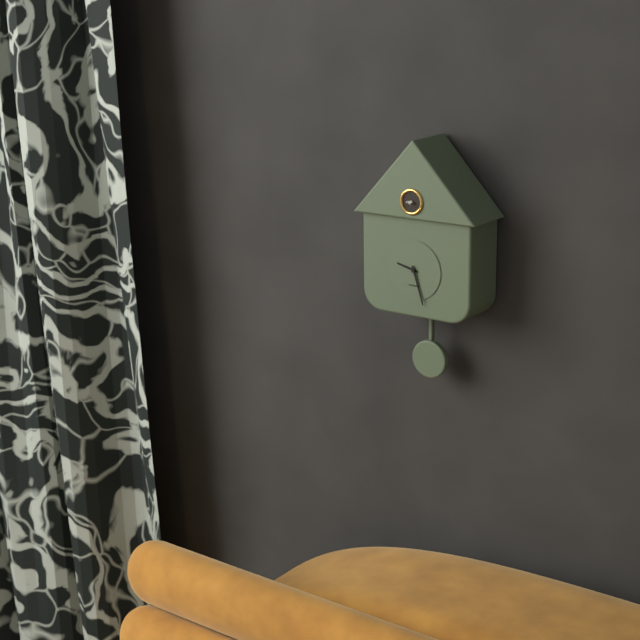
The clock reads **9:27**
